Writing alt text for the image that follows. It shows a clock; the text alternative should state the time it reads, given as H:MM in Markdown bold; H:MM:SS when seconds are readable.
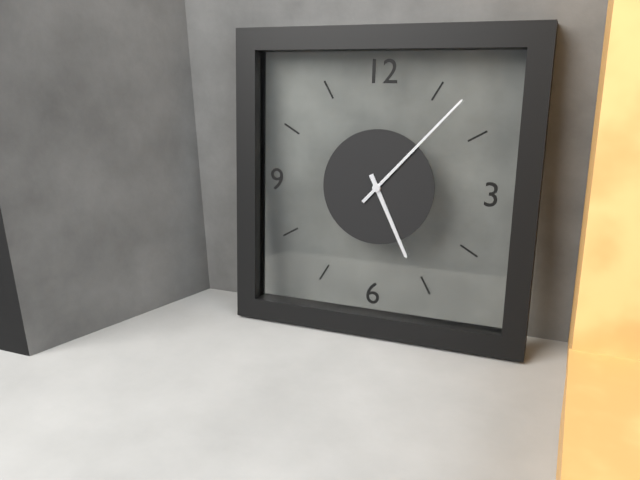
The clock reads **5:07**
